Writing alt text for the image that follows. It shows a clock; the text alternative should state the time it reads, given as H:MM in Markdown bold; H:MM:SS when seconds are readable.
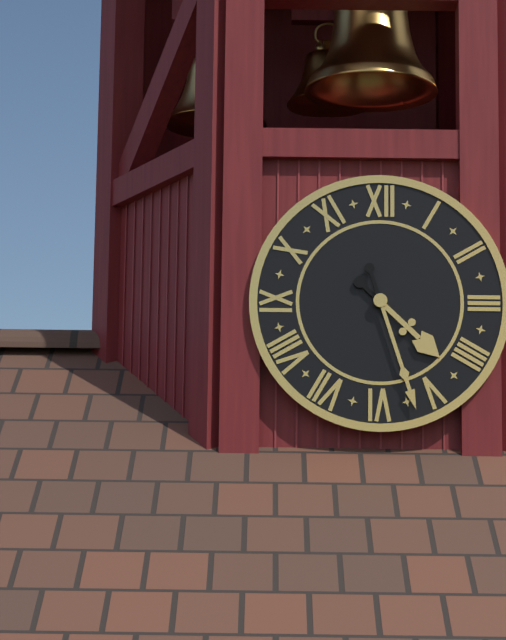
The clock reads **4:27**
